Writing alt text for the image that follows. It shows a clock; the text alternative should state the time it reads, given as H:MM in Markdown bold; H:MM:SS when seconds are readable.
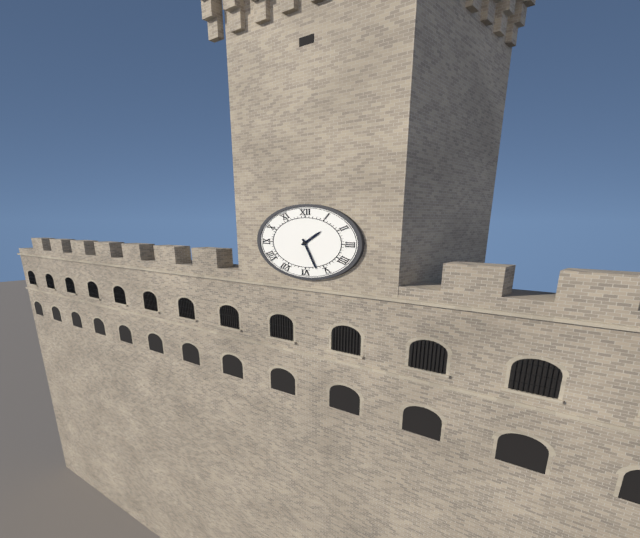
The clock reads **1:27**
